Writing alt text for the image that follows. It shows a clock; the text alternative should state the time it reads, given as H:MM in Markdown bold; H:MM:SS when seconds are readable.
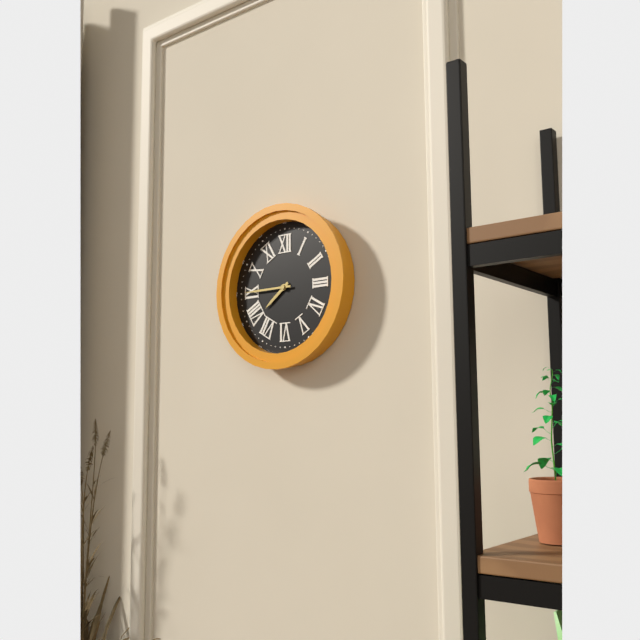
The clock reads **7:45**
